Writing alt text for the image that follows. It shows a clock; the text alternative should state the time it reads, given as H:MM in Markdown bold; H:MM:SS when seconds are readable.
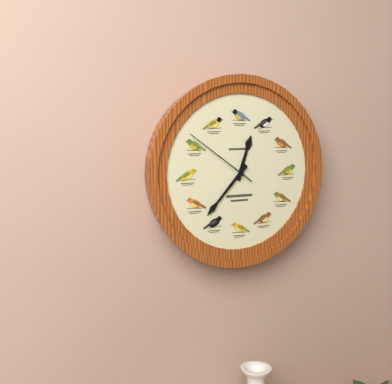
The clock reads **12:37:51**
